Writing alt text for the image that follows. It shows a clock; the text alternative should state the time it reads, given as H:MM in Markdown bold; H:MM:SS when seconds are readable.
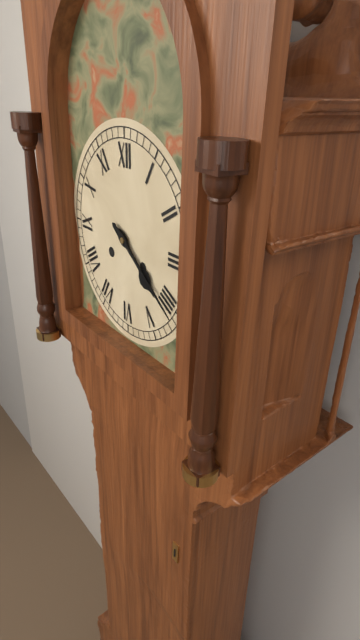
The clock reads **4:21**
